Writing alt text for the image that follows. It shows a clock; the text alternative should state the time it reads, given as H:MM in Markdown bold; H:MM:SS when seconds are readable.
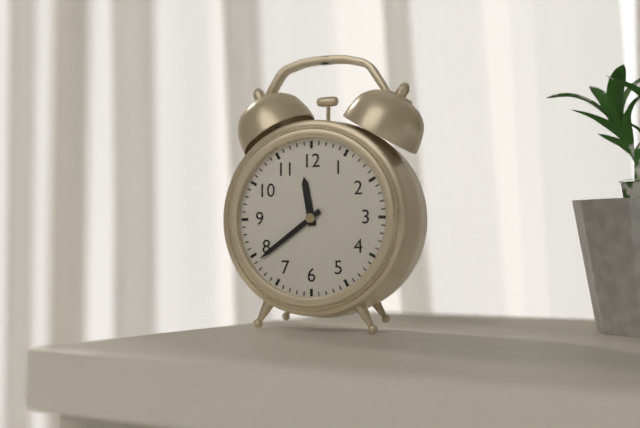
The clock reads **11:39**
